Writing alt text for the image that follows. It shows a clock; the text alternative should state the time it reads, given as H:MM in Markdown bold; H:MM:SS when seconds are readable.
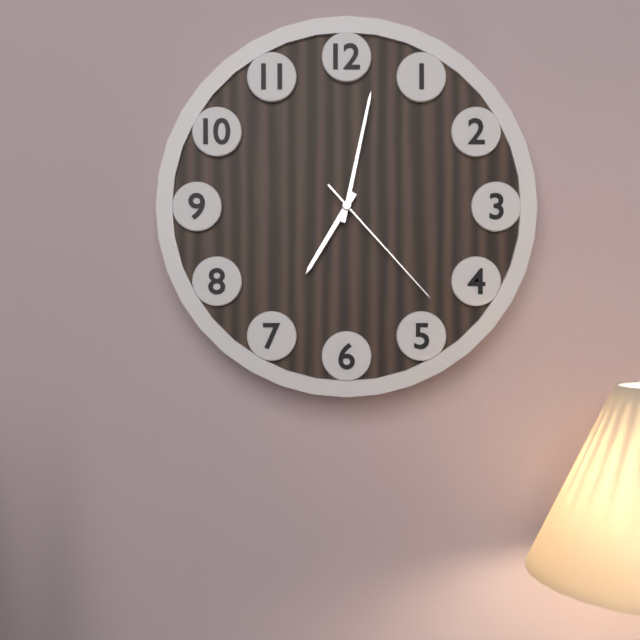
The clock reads **7:02:23**
